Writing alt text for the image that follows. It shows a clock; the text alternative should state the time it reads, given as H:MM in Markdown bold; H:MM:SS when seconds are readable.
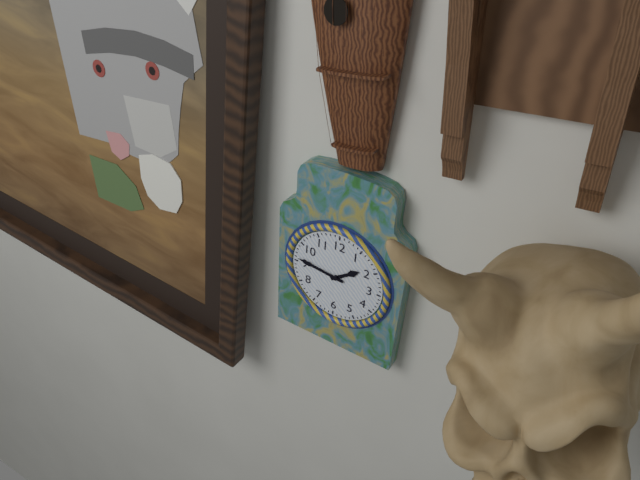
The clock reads **1:46**
